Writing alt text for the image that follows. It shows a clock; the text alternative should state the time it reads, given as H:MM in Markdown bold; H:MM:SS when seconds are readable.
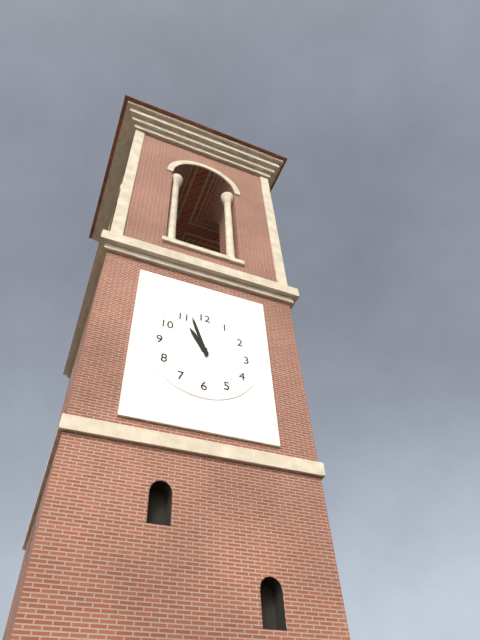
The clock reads **10:57**
